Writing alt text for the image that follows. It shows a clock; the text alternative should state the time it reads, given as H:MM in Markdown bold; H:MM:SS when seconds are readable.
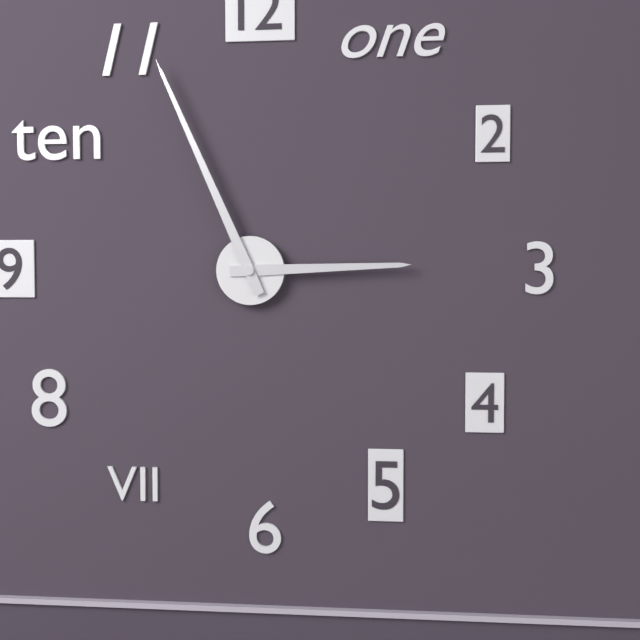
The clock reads **2:56**
